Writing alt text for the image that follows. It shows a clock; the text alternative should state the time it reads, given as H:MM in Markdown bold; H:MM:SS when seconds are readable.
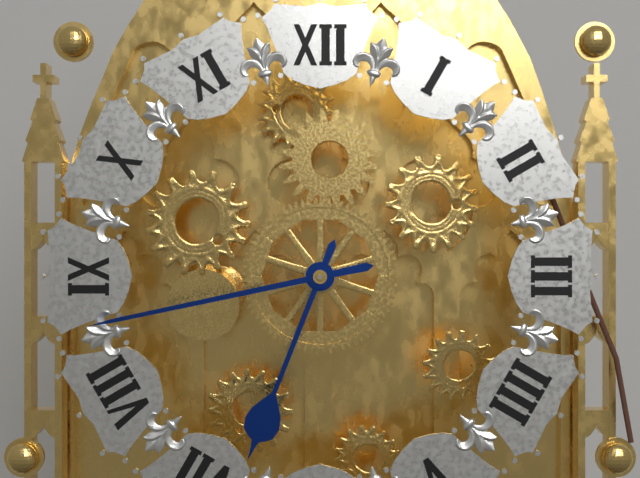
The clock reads **6:43**
